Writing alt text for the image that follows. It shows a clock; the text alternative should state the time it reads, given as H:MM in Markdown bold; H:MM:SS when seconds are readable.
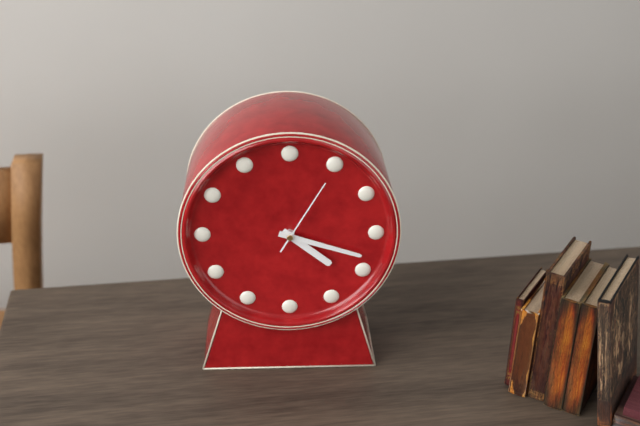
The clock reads **4:18:05**
